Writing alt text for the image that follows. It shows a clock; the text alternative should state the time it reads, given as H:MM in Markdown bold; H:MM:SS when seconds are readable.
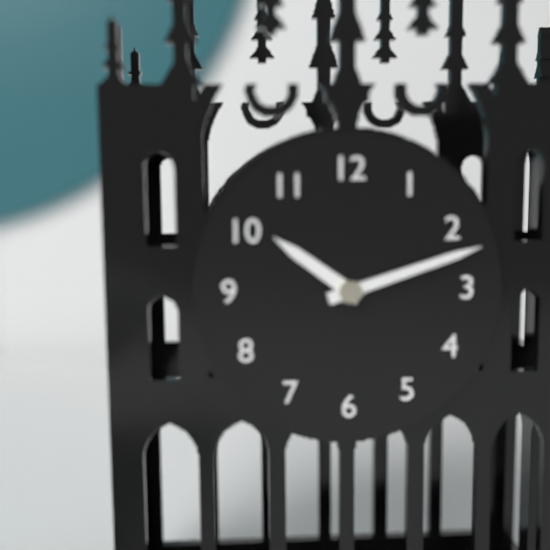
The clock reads **10:12**
